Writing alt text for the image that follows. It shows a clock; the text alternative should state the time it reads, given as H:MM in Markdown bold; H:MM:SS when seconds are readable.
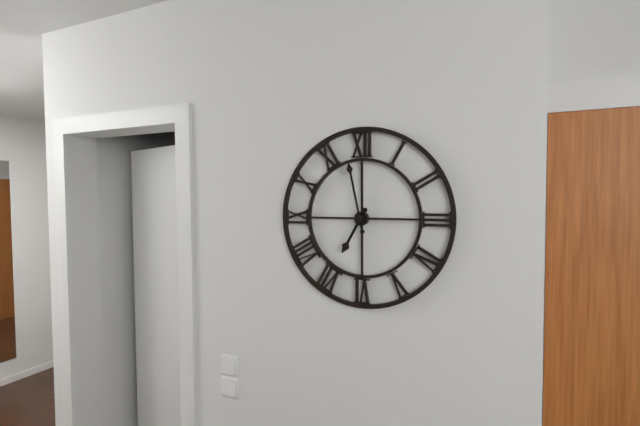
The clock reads **6:58**
